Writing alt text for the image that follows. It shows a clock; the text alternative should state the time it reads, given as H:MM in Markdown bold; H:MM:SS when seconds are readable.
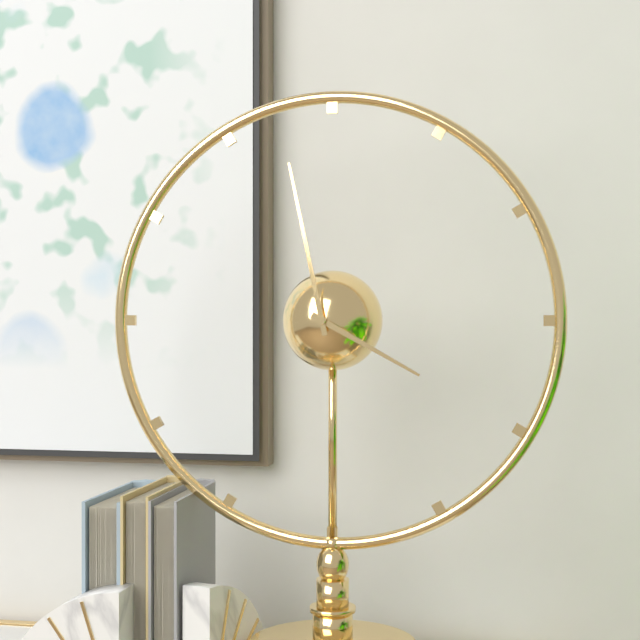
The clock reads **3:58**
